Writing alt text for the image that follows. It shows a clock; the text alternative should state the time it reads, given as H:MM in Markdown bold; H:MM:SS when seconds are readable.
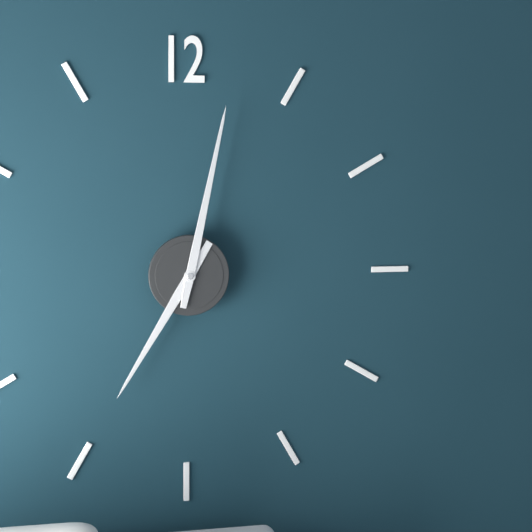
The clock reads **7:02**
